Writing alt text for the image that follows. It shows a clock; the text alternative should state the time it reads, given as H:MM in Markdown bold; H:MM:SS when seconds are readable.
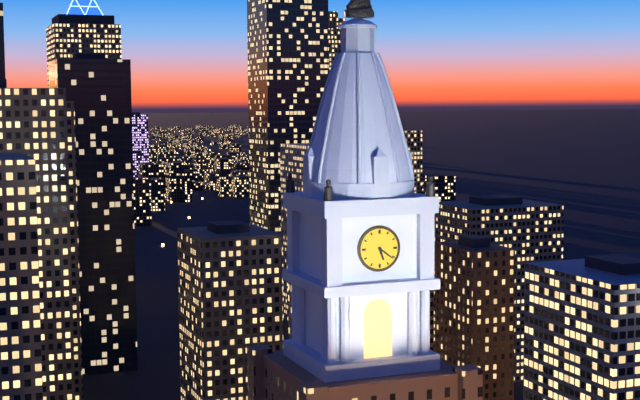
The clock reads **5:21**
